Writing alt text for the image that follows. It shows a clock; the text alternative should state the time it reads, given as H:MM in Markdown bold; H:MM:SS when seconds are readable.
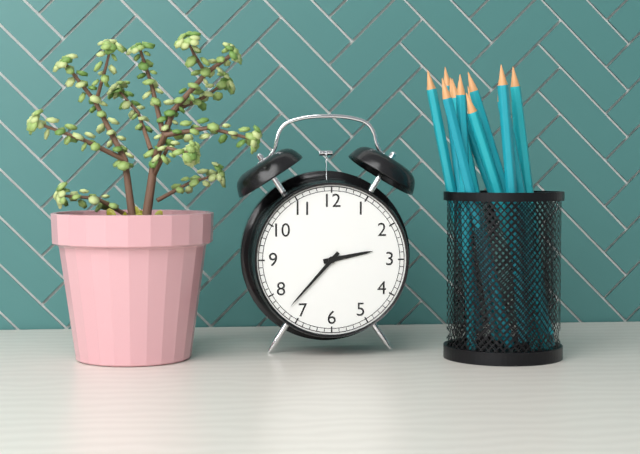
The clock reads **2:37**
